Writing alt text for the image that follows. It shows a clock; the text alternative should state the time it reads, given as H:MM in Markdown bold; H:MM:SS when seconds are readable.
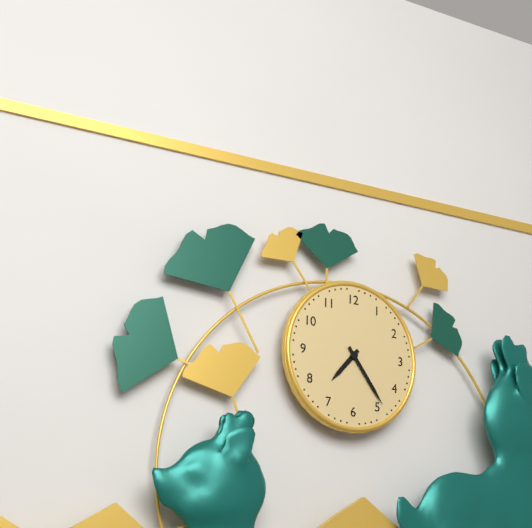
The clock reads **7:24**
